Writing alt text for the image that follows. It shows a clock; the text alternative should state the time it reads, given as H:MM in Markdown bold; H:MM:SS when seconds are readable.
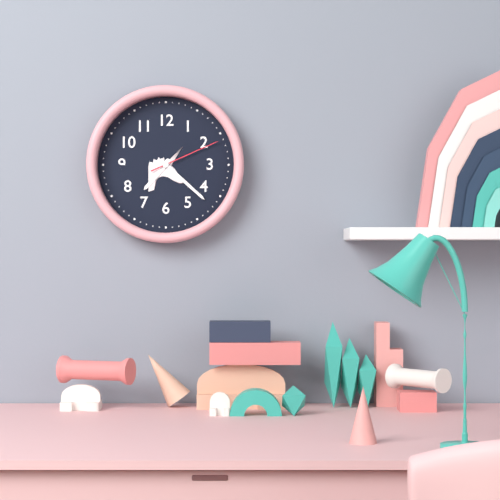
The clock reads **7:22:11**
